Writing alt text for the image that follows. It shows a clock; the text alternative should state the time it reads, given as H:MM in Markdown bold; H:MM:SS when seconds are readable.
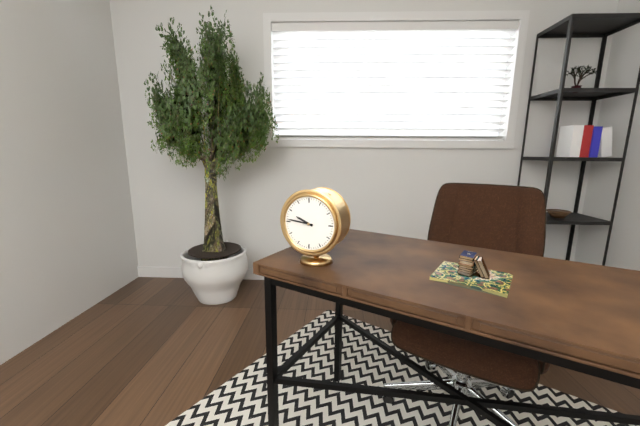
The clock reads **9:46**
